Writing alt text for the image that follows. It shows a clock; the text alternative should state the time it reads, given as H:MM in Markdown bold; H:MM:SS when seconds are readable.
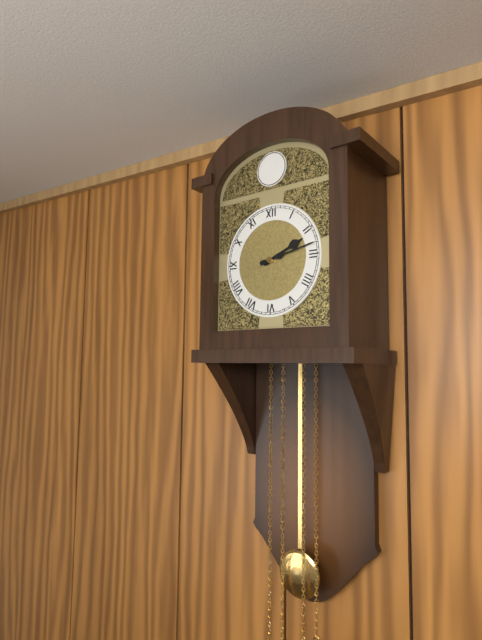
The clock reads **2:13**
